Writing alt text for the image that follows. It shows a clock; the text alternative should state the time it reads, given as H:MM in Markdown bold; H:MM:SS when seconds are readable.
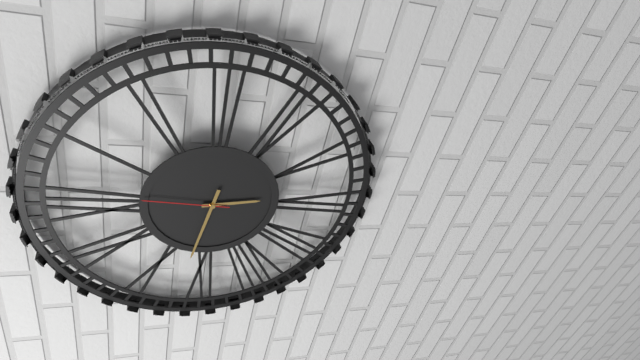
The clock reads **5:47:01**
